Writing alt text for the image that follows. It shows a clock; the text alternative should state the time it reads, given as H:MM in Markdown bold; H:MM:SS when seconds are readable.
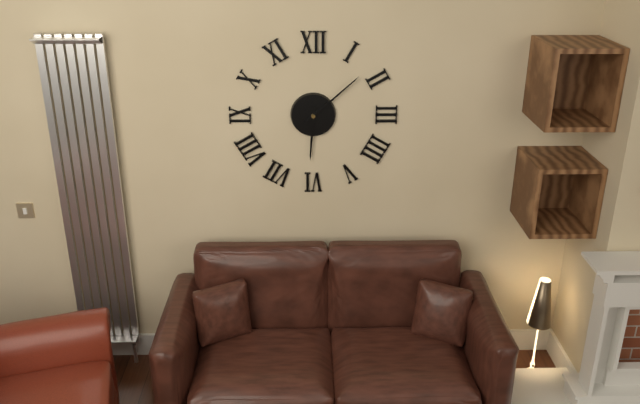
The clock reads **6:08**
